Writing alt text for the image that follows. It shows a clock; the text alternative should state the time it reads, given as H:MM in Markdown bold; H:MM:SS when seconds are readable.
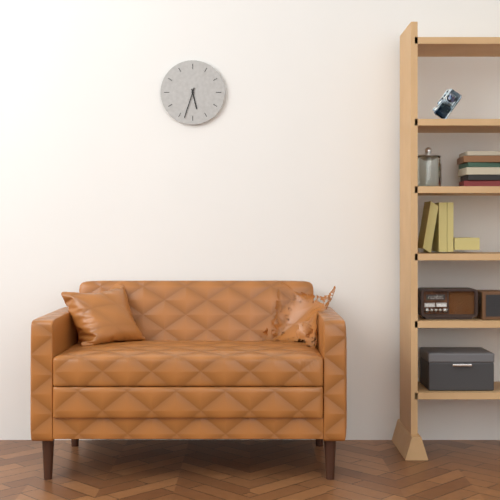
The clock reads **5:33**
